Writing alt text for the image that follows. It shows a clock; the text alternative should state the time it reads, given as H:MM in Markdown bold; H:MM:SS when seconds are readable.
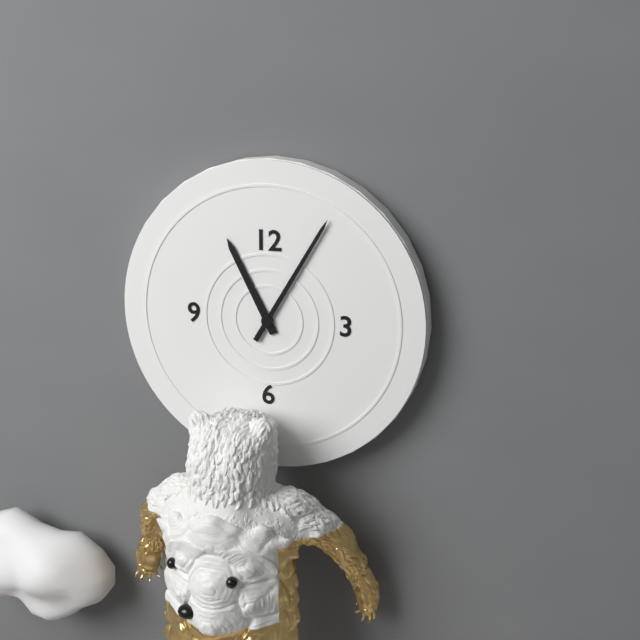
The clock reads **11:05**
